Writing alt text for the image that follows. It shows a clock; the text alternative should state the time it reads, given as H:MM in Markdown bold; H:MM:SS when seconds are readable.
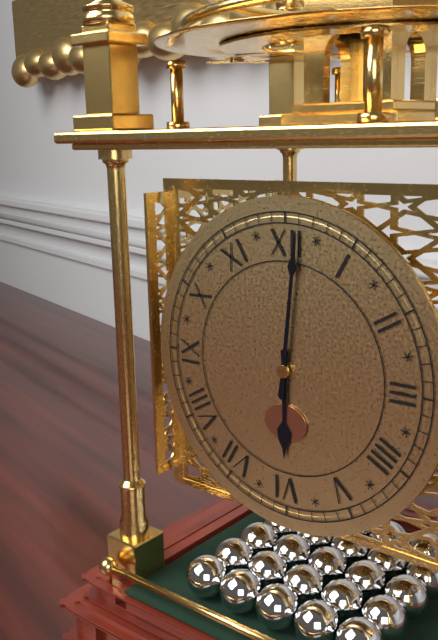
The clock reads **6:01**
